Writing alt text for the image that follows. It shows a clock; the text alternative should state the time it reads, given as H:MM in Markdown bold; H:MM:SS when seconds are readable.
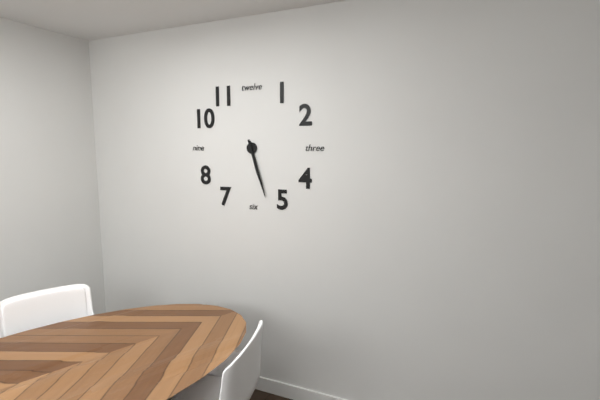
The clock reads **5:27**
